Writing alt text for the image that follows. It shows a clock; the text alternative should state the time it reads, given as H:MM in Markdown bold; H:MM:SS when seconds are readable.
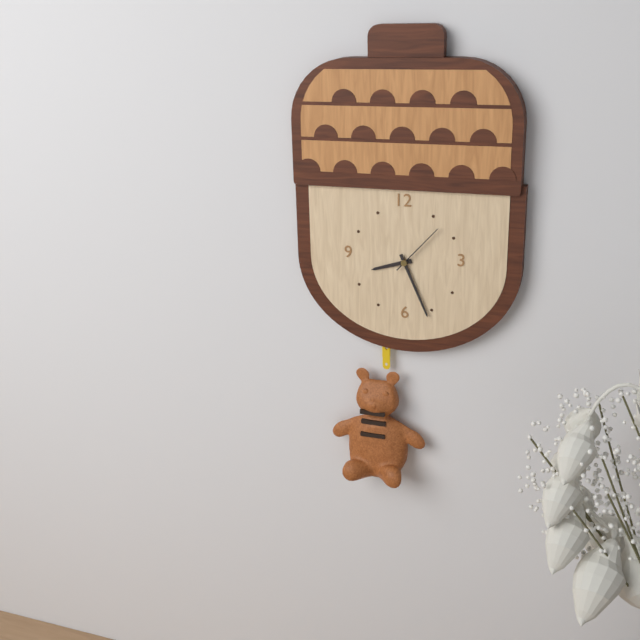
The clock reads **8:26:07**
